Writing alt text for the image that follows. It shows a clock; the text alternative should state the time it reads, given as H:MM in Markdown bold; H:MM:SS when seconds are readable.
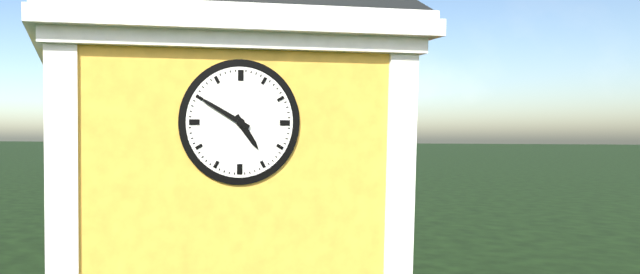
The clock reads **4:50**
